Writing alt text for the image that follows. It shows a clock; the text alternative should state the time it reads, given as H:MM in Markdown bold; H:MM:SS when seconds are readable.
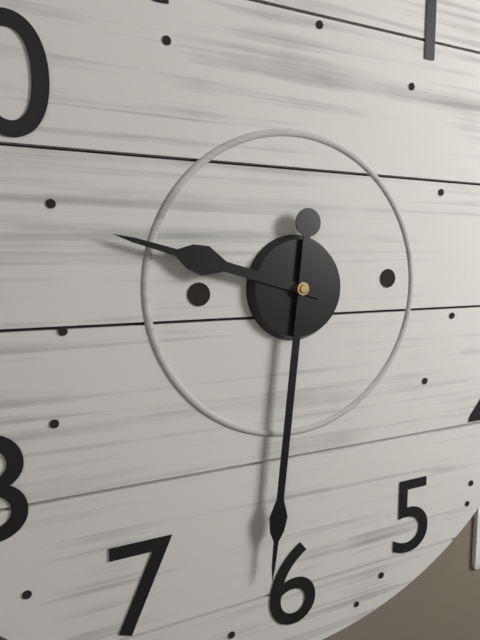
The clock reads **9:31**
